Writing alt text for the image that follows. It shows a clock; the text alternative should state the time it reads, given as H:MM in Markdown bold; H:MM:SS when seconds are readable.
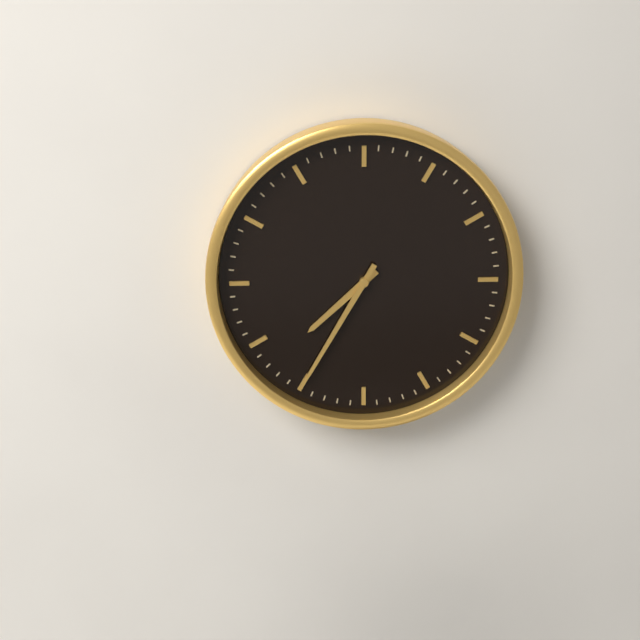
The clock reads **7:35**
